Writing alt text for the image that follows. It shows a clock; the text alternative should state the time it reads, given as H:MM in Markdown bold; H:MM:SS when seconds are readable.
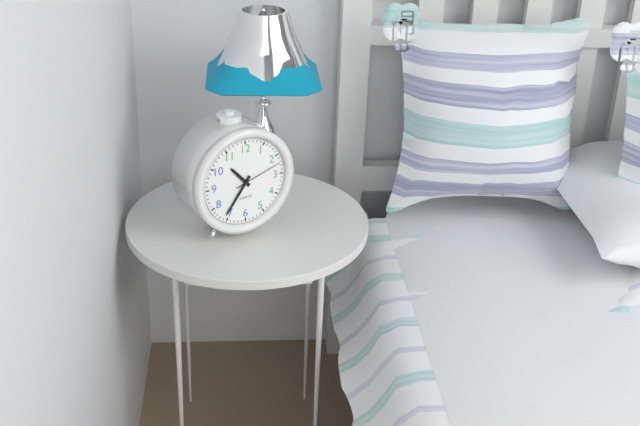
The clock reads **10:36**
